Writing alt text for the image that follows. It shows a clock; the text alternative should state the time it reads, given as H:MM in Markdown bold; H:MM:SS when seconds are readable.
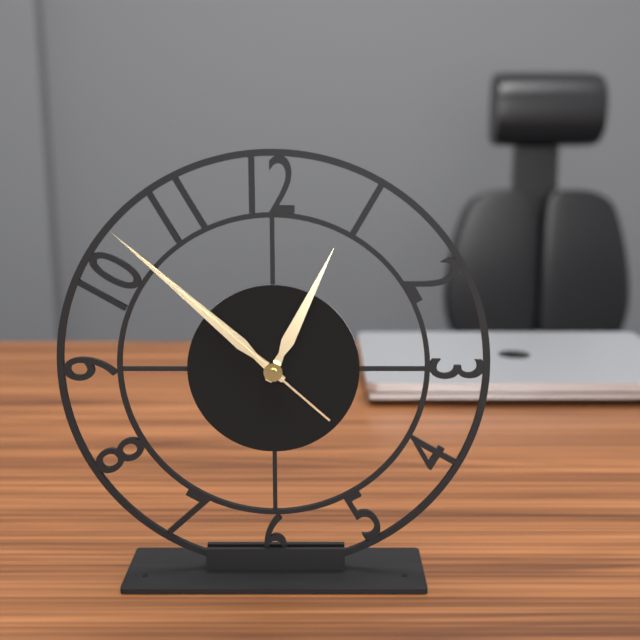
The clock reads **12:52:52**
